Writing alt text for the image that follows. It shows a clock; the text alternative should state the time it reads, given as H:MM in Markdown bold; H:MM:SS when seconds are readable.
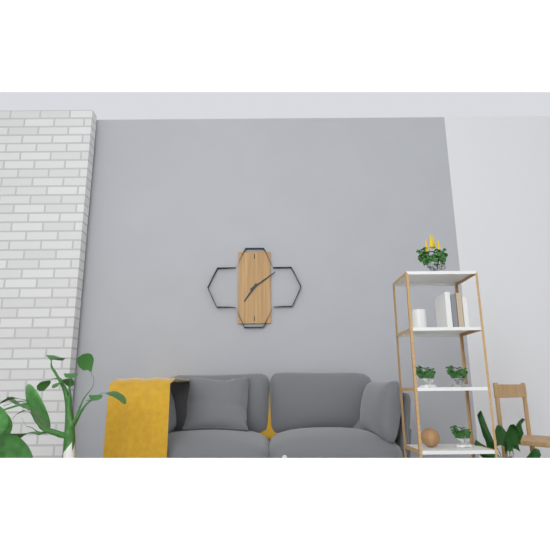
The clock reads **7:09**
